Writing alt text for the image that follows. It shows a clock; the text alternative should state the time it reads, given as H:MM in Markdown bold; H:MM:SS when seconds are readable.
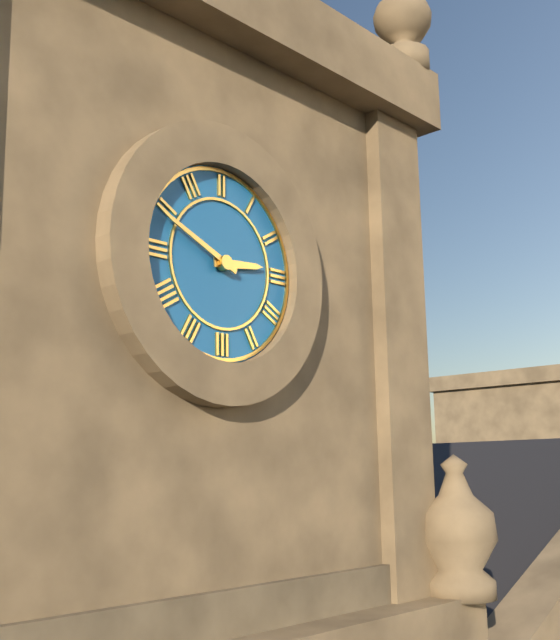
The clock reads **2:49**
